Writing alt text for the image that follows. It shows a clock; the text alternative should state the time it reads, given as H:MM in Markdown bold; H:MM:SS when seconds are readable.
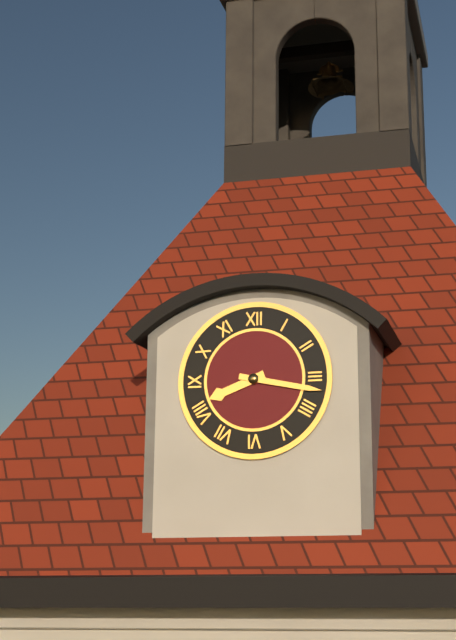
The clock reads **8:17**
